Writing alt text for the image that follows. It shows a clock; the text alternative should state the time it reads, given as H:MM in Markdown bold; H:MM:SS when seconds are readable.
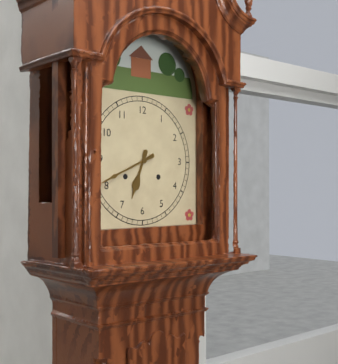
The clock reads **6:41**
